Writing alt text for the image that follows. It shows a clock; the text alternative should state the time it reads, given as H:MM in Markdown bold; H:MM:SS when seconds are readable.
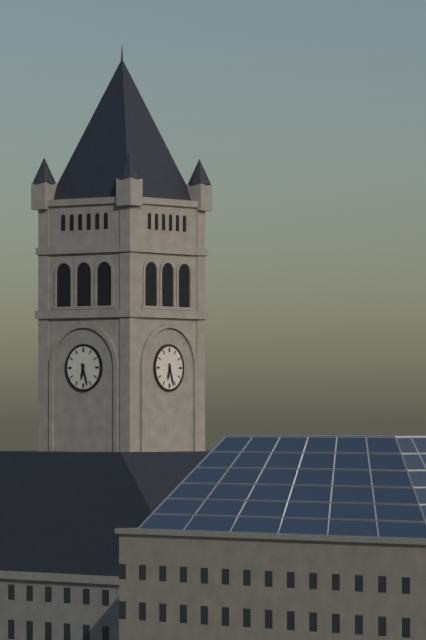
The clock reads **6:27**
